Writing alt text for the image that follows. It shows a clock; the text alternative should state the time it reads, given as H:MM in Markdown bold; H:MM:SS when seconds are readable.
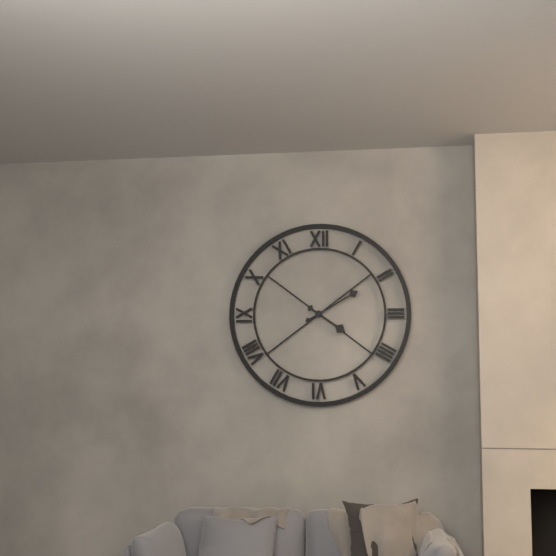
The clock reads **4:10**
